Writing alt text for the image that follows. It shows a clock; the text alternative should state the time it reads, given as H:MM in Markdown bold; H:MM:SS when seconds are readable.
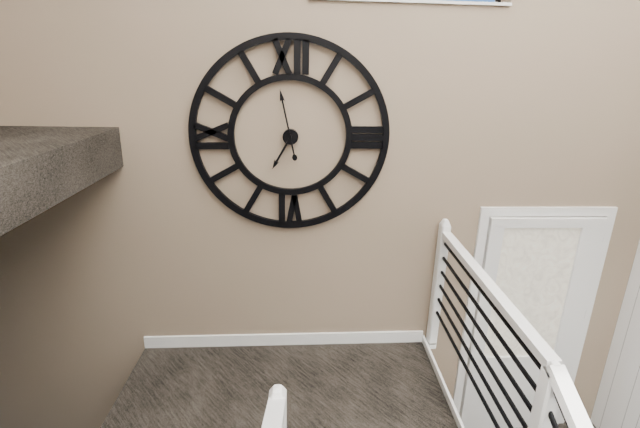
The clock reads **6:58**
